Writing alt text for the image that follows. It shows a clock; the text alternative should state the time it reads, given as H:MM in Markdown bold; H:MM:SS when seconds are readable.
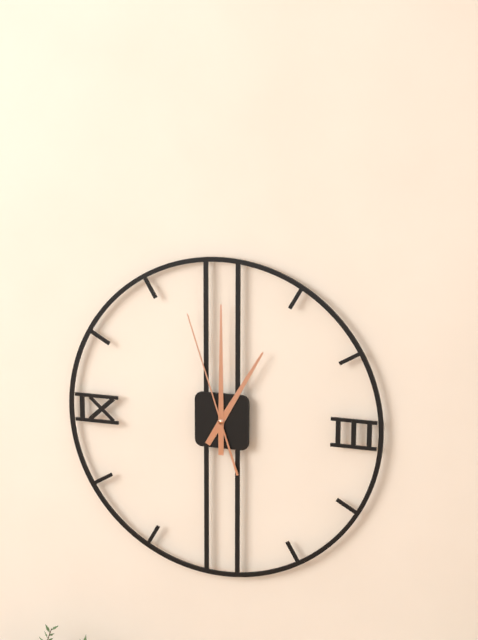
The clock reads **1:00:57**
